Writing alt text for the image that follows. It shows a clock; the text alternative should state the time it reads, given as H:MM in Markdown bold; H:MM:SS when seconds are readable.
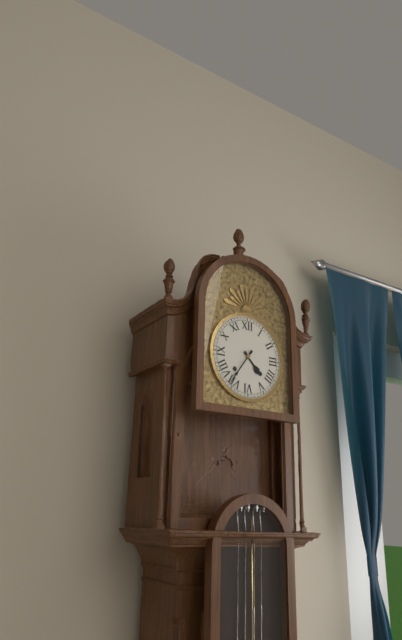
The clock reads **4:36**
